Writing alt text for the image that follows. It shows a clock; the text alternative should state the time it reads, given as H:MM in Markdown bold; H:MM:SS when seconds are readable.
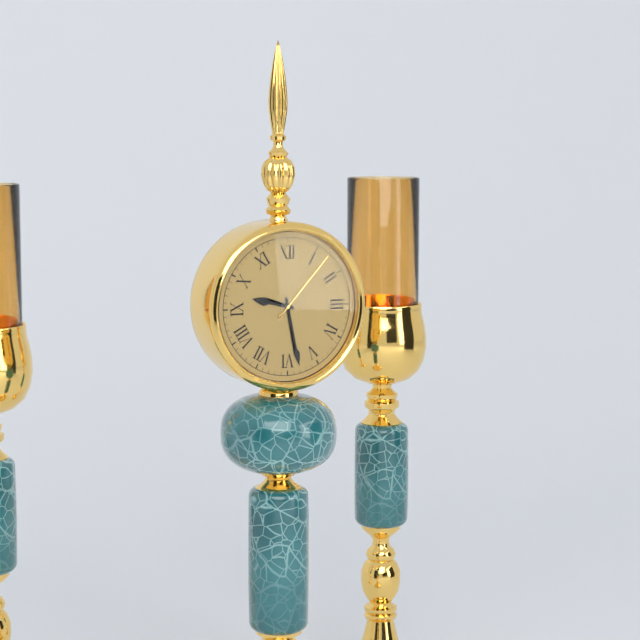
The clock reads **9:28:07**
